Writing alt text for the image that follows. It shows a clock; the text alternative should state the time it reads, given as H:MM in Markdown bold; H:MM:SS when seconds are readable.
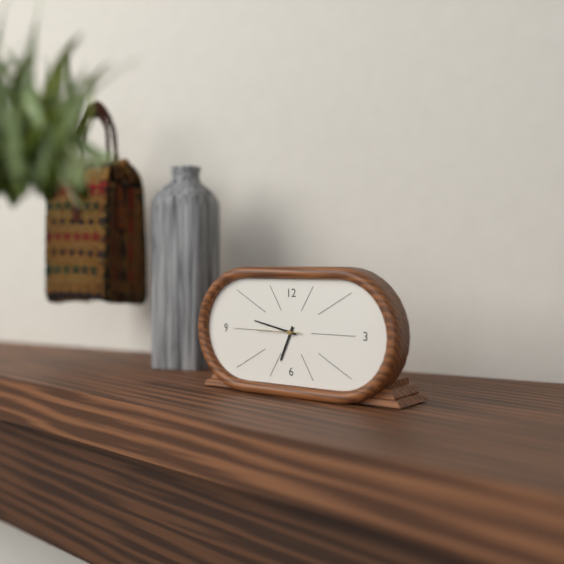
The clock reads **6:47**
